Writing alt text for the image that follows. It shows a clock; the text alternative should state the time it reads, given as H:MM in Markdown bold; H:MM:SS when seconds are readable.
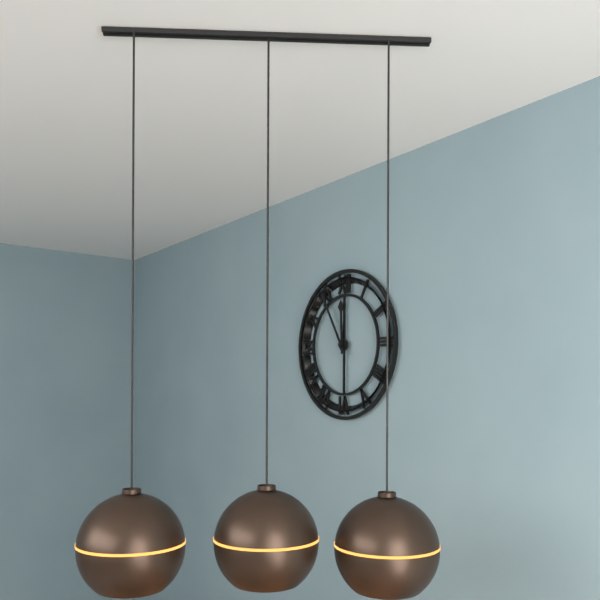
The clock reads **11:55**
